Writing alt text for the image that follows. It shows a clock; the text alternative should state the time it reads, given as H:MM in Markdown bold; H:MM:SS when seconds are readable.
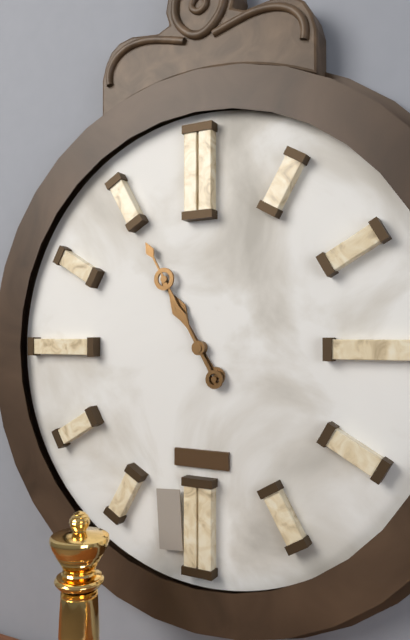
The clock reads **10:55**
